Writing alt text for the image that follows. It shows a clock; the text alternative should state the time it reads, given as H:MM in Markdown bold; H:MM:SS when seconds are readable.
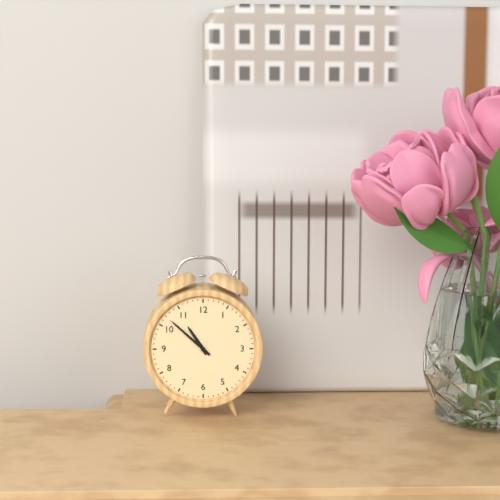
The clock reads **10:52**
